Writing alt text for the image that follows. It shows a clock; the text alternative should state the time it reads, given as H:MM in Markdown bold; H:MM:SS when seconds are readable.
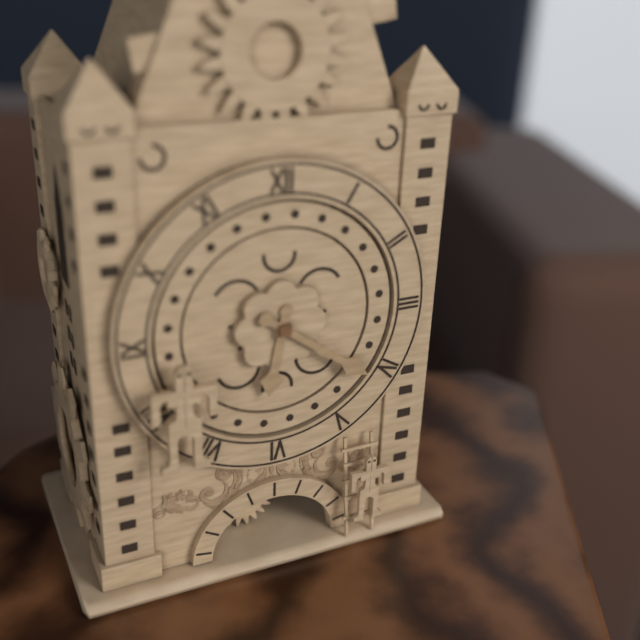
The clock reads **6:21**
